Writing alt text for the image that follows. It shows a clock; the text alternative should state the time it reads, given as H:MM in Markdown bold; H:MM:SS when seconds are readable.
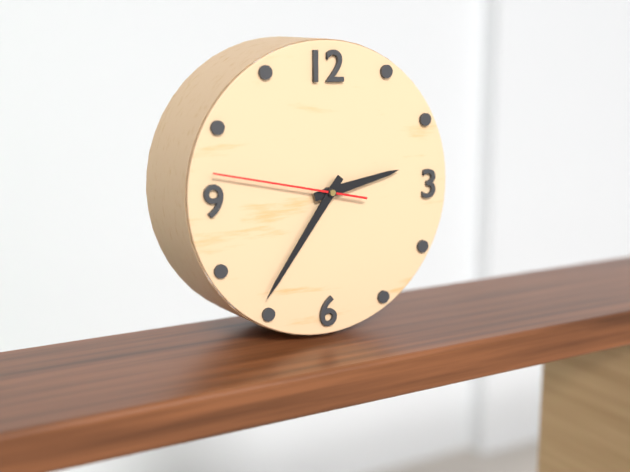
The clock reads **2:36:47**
